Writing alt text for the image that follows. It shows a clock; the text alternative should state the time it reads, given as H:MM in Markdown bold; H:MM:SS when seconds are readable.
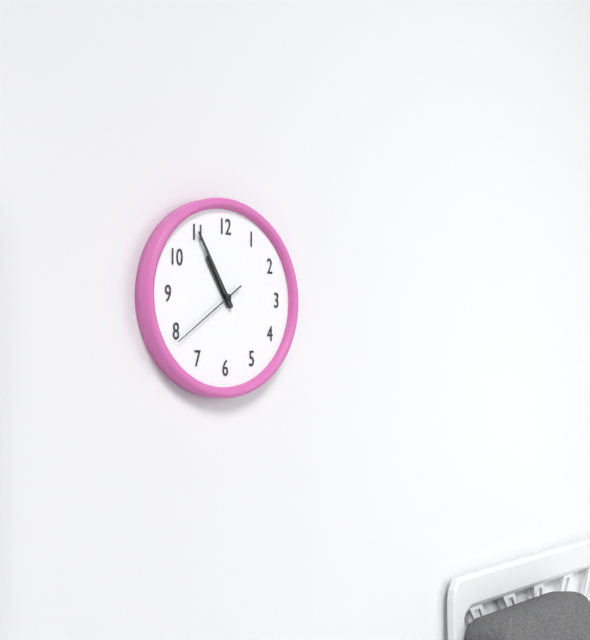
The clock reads **10:55:39**
